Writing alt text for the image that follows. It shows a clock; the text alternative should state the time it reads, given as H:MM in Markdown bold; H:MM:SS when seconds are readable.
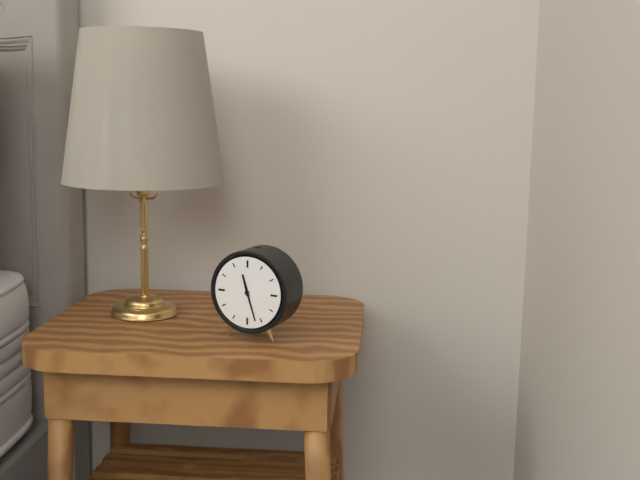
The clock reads **11:27**
